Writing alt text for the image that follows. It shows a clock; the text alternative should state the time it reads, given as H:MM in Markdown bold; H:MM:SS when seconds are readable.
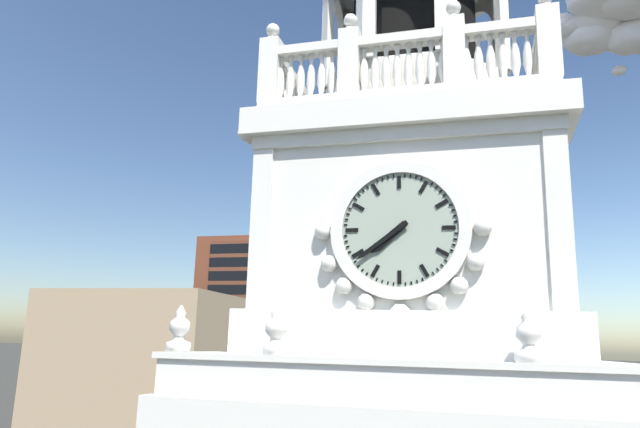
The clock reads **7:39**
